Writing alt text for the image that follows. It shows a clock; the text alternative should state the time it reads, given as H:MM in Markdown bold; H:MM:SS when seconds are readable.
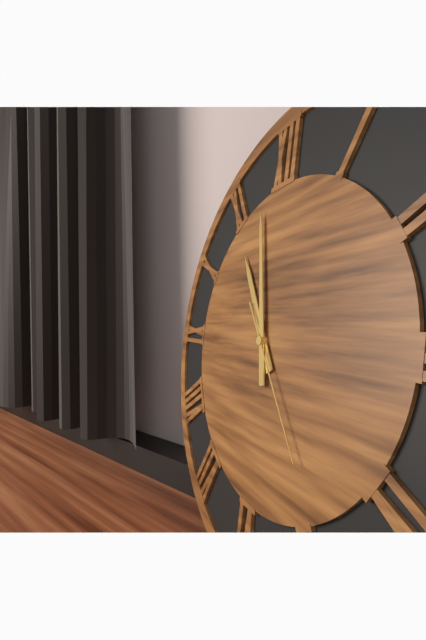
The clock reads **10:58:24**
